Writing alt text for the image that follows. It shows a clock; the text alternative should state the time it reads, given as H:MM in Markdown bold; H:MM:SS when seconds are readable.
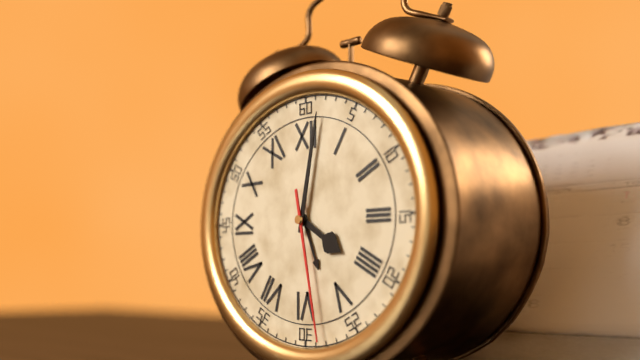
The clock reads **4:02:28**
